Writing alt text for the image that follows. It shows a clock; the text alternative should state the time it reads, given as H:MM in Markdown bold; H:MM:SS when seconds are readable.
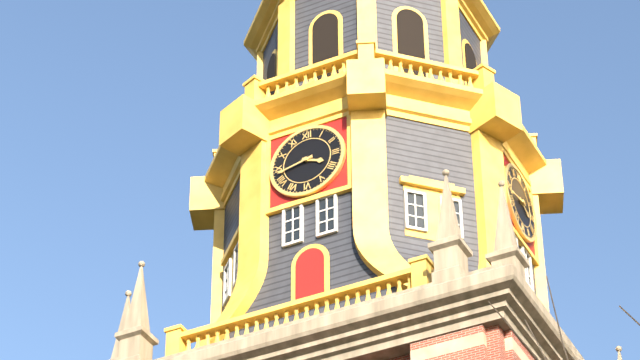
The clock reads **3:43**
